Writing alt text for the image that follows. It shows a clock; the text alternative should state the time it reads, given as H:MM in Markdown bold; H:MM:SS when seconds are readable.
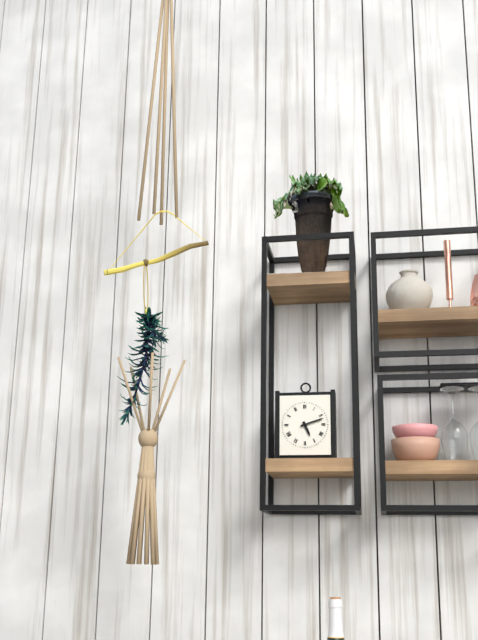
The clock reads **5:12**
